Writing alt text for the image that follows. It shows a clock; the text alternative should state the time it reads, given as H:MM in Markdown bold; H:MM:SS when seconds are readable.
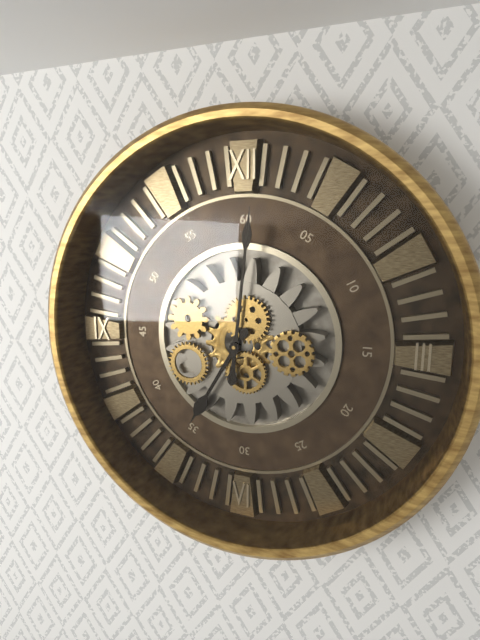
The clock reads **7:01**
